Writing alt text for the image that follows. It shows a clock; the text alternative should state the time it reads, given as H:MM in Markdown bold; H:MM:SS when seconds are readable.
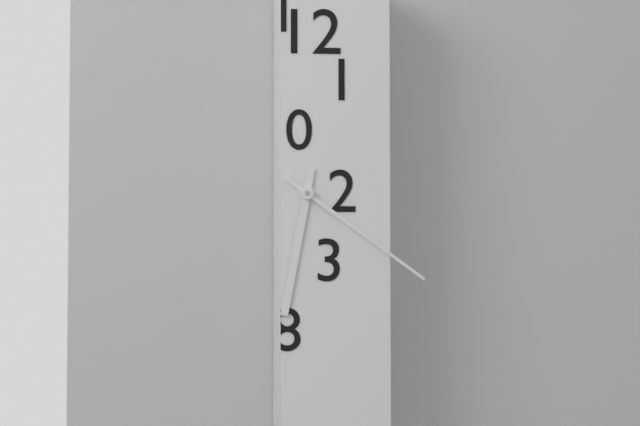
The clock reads **6:21**
